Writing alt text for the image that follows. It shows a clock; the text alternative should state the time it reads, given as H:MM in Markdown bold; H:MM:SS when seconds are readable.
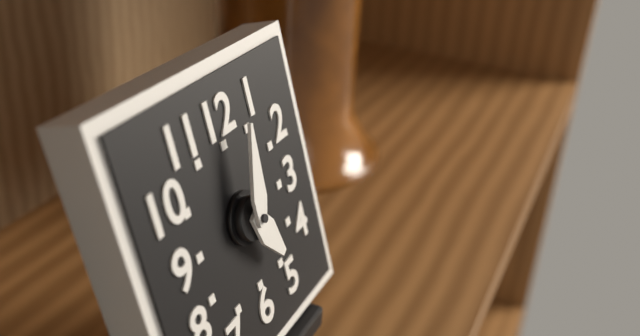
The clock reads **5:02**
